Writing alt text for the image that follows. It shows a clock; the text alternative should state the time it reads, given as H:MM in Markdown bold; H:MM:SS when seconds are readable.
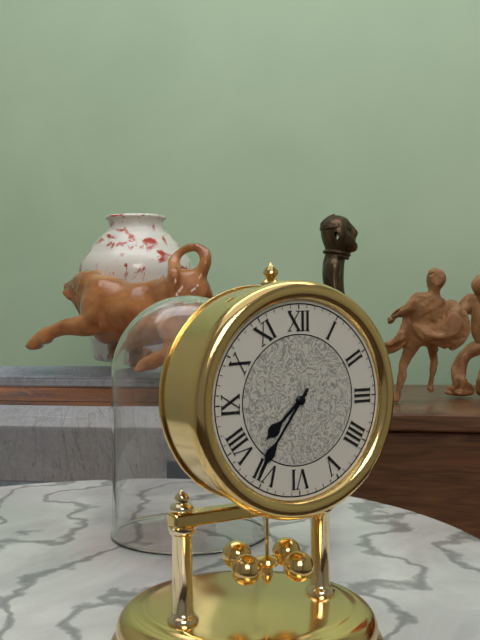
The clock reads **7:36**
